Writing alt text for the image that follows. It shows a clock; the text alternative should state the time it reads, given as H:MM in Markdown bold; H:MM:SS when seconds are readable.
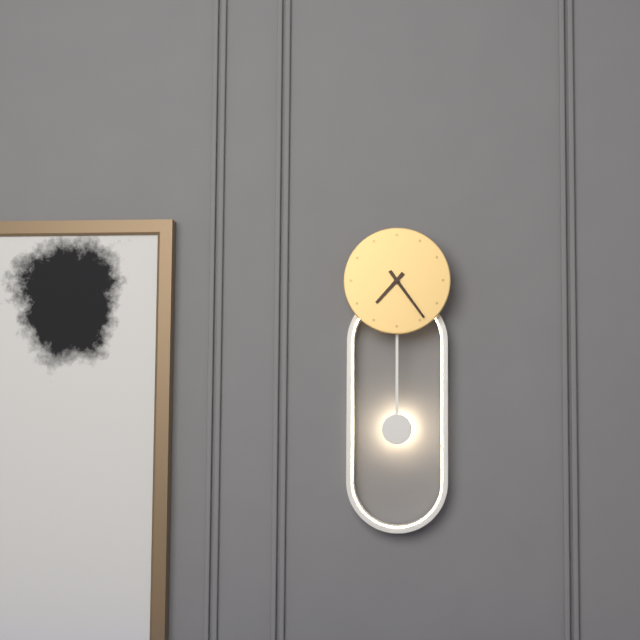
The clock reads **7:24**
